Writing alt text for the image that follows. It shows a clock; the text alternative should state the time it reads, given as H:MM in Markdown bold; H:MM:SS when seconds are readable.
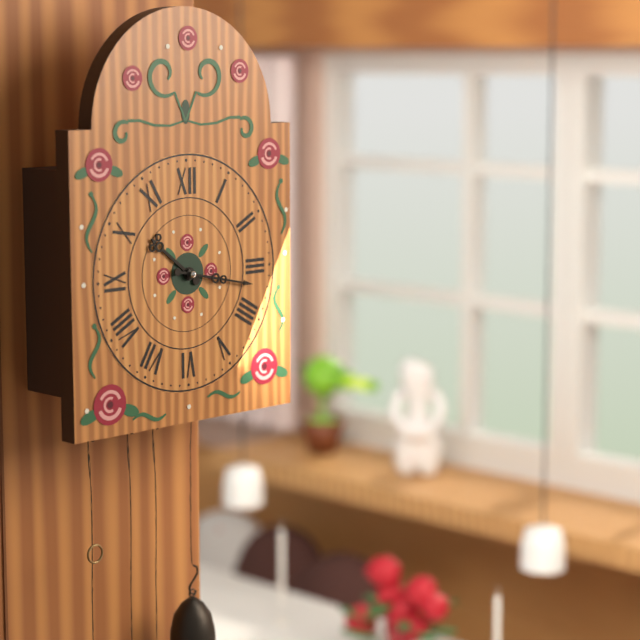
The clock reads **10:17**
